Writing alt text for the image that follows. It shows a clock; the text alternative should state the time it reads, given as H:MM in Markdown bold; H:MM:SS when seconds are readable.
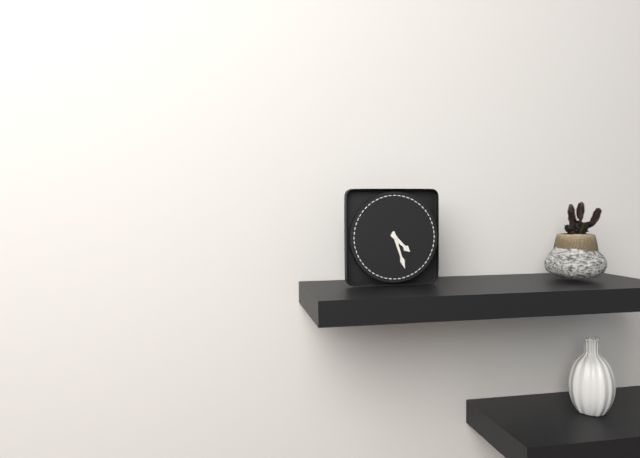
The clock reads **4:27**
